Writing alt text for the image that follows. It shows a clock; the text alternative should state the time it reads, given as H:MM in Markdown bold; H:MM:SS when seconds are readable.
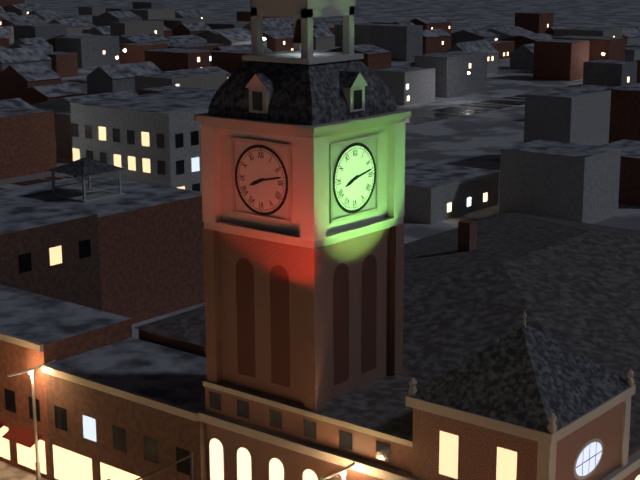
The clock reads **8:13**
